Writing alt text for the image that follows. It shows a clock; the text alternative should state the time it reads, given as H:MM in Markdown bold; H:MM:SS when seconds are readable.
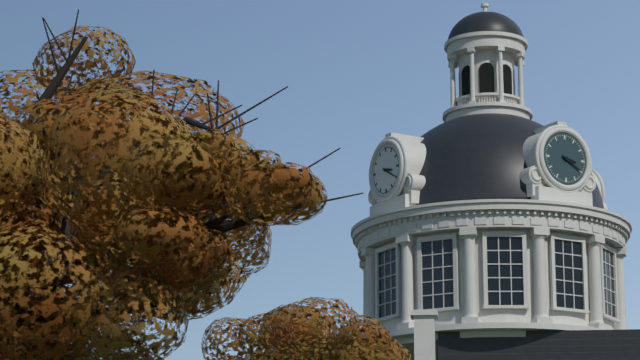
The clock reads **3:20**
